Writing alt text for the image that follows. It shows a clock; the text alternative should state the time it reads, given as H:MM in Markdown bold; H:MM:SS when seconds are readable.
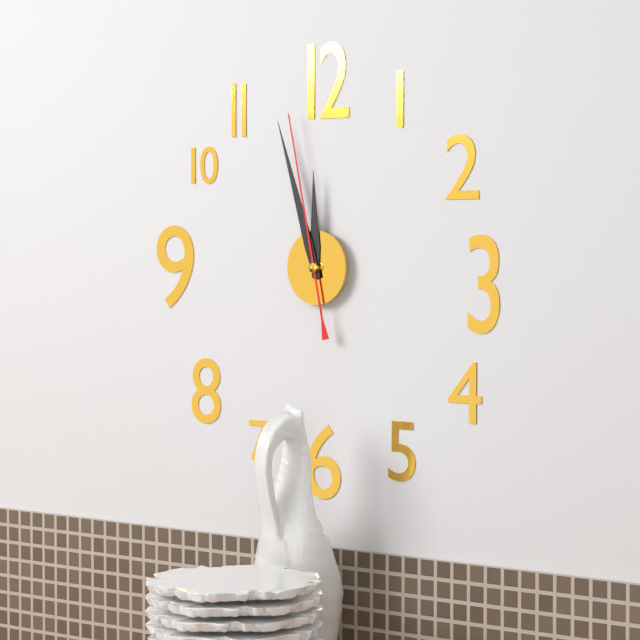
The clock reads **11:57:58**
